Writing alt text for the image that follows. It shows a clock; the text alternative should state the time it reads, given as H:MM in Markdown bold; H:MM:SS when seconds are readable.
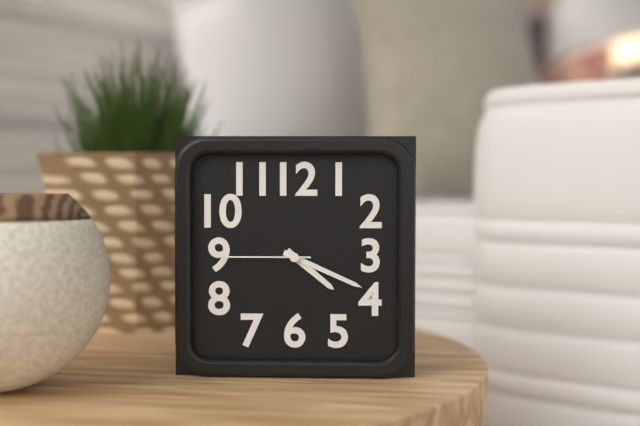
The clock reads **4:19:45**
